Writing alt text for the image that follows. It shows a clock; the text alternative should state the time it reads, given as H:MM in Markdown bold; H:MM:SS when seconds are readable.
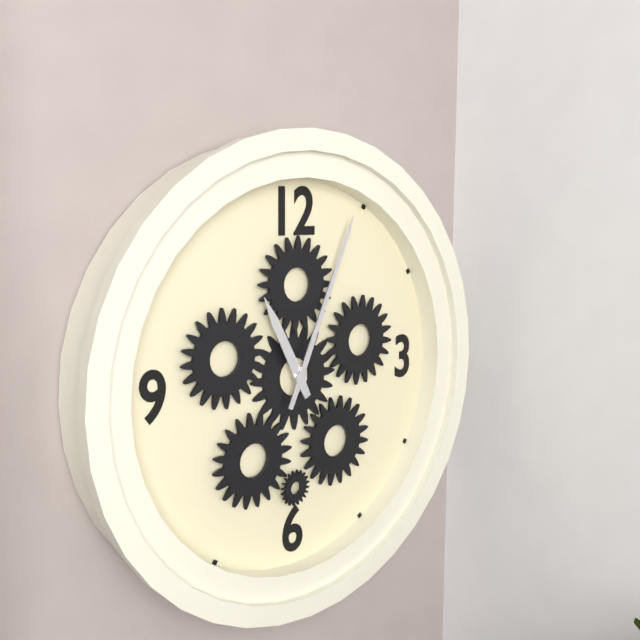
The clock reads **11:04**
